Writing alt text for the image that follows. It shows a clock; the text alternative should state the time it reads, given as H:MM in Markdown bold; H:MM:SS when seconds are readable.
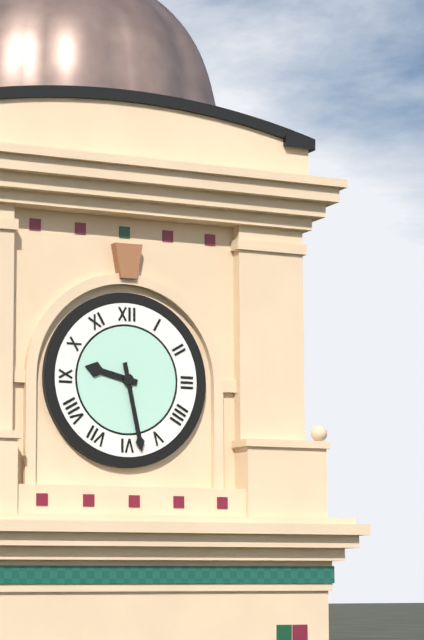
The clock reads **9:28**
